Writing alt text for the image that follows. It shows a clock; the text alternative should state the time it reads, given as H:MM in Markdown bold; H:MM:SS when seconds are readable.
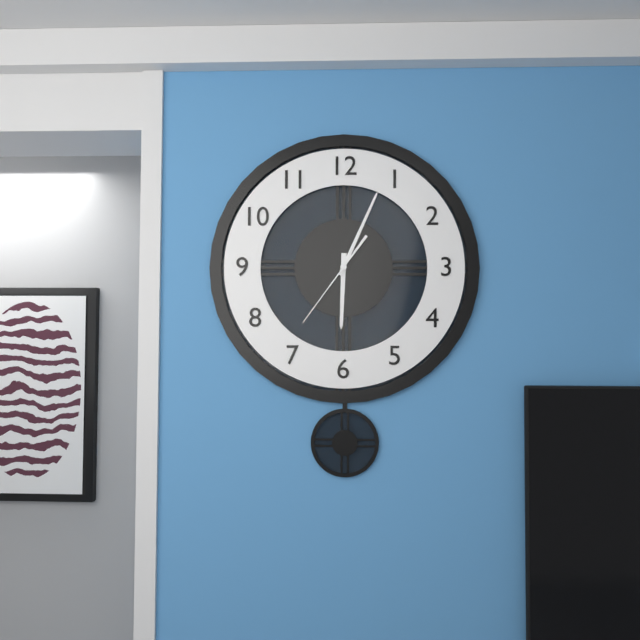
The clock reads **6:04:36**
